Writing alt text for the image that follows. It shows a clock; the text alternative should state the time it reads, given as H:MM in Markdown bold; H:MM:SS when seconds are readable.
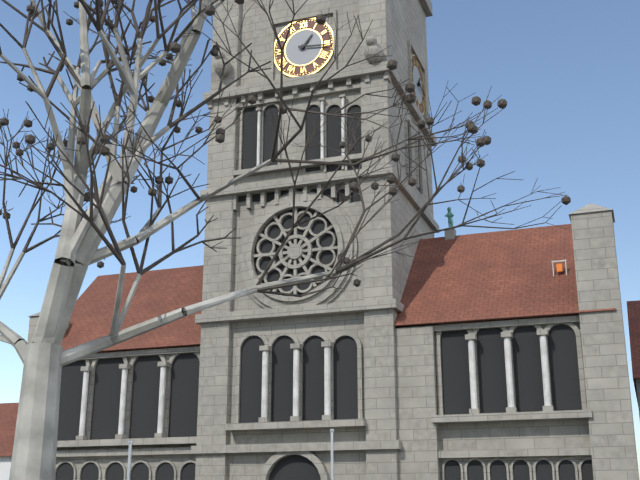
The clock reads **1:16**
